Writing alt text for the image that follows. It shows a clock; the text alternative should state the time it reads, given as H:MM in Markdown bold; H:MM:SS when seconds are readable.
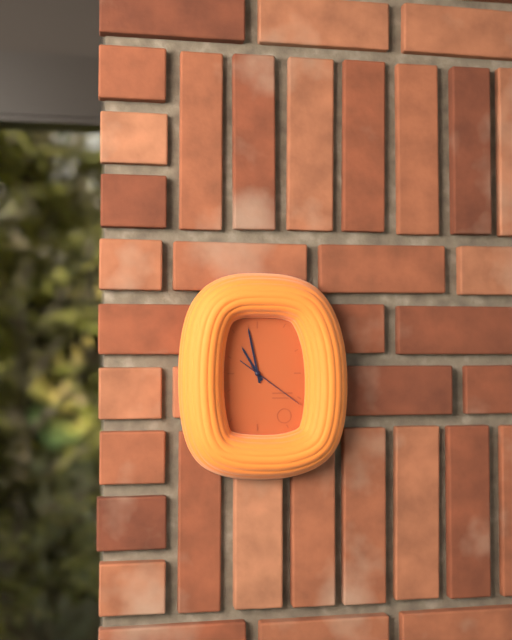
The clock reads **10:58:21**
